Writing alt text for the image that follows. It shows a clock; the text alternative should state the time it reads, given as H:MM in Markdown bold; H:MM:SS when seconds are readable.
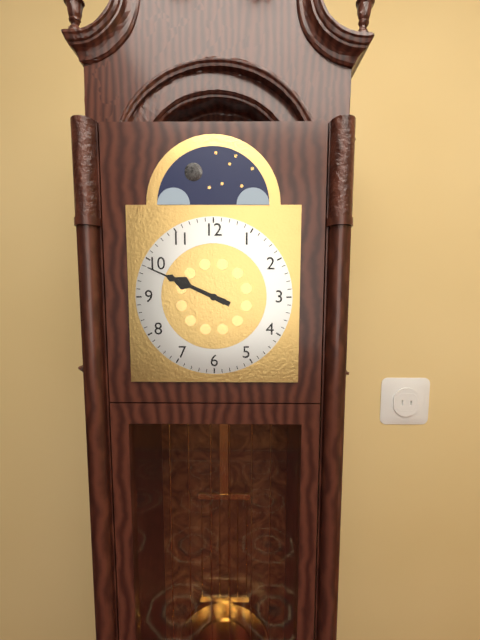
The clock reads **9:49**
